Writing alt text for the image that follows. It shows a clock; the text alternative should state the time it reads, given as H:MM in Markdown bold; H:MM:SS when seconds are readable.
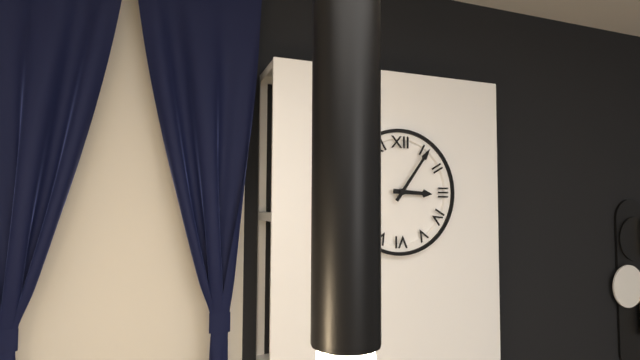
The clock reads **3:06**
